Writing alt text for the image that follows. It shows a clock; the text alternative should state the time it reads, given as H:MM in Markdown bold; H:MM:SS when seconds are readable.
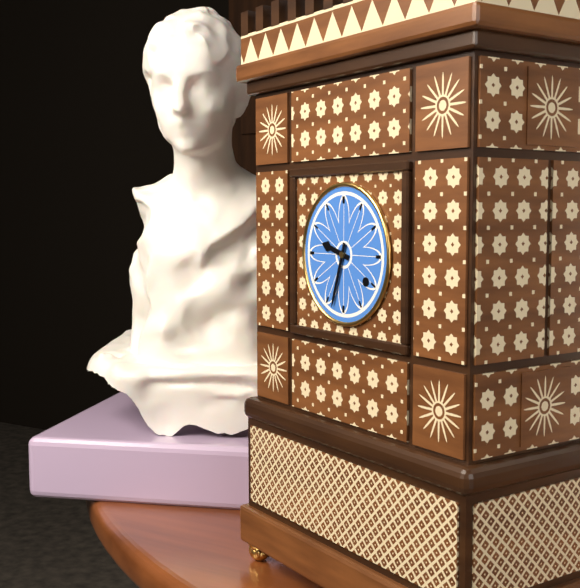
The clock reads **9:33**
